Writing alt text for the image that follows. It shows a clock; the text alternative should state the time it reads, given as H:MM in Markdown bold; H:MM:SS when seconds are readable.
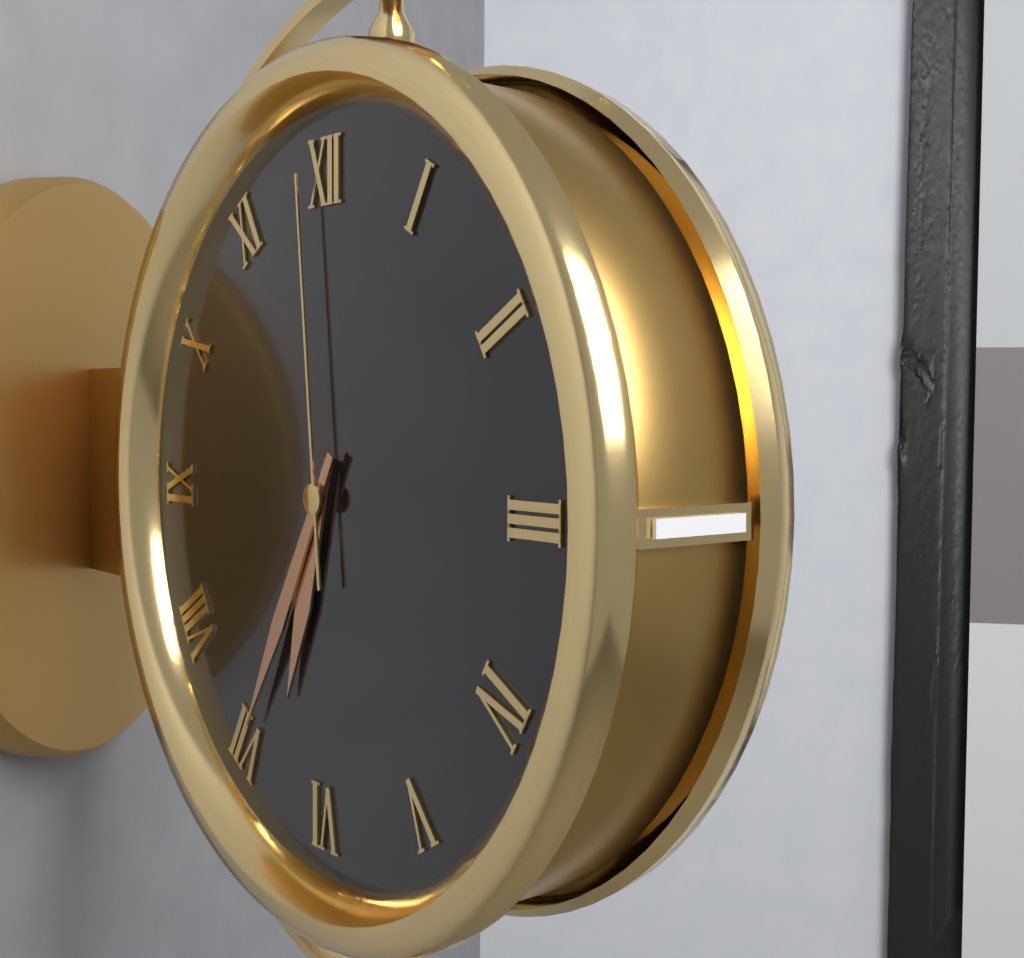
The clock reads **6:35:59**
